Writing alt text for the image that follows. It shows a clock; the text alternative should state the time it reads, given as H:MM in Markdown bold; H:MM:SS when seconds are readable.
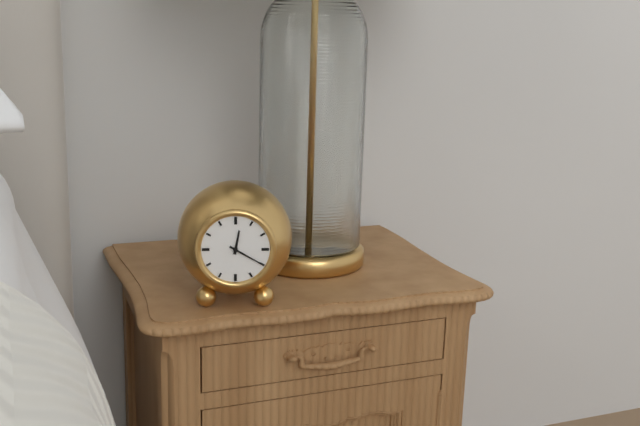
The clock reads **12:20**
